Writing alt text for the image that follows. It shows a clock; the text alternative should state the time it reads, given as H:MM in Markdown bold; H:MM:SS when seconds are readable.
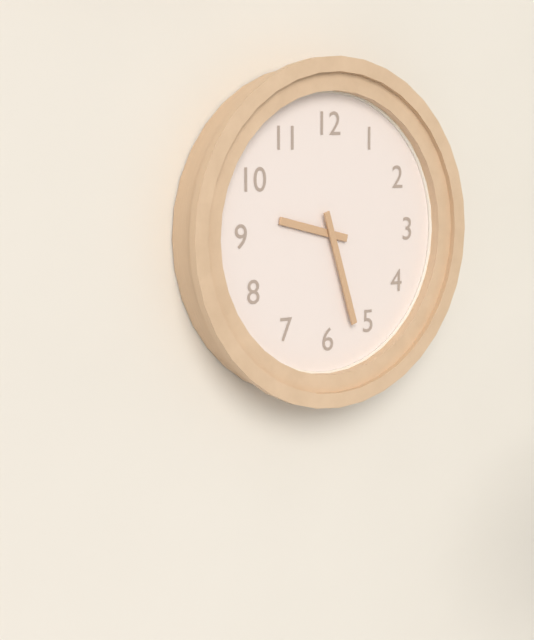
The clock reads **9:27**
